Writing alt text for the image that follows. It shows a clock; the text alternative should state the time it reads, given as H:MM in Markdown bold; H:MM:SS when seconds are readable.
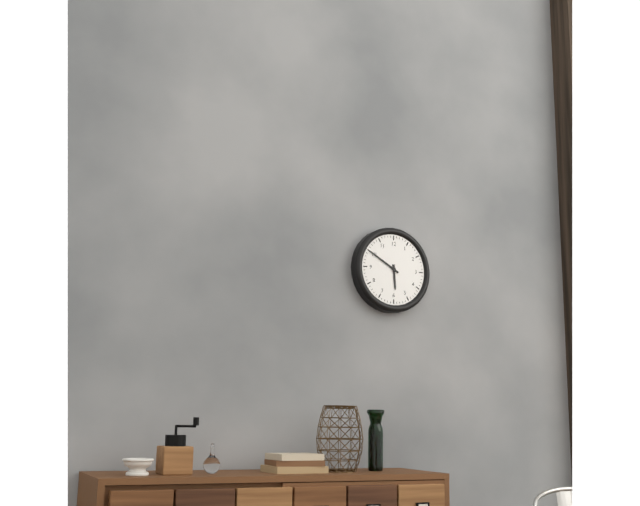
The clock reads **5:50**
